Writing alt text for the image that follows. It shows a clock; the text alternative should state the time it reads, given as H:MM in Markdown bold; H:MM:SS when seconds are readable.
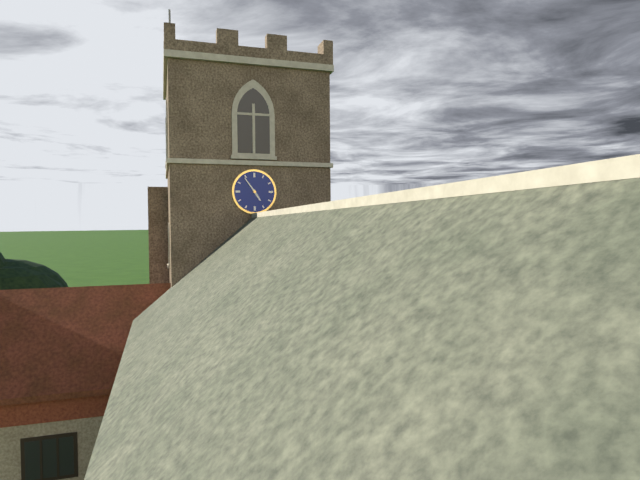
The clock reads **4:54**
